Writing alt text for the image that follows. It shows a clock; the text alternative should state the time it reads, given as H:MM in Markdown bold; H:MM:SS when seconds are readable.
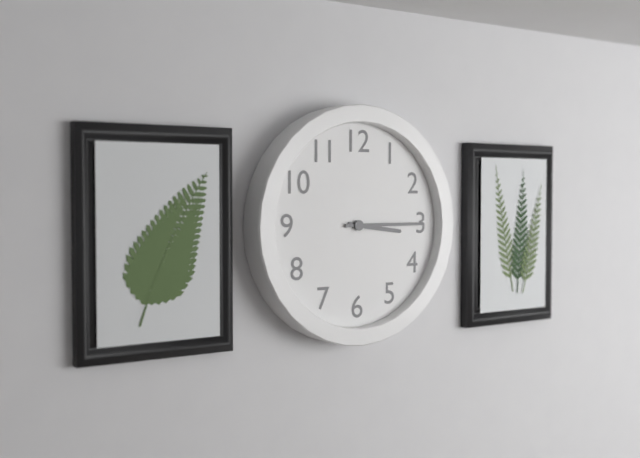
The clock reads **3:15**
